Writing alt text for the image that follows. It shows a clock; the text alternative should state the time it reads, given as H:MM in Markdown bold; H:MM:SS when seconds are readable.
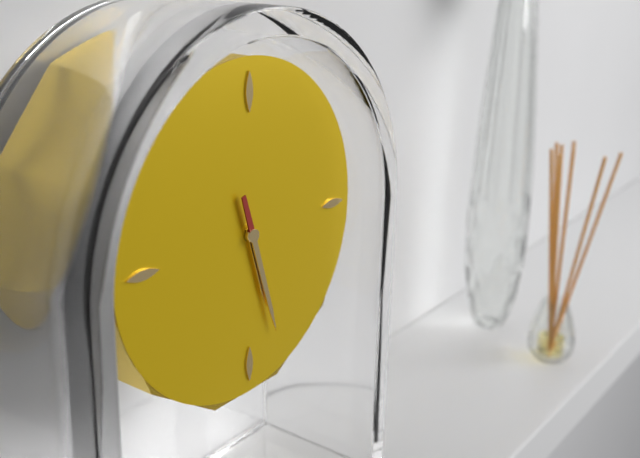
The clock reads **5:27**
